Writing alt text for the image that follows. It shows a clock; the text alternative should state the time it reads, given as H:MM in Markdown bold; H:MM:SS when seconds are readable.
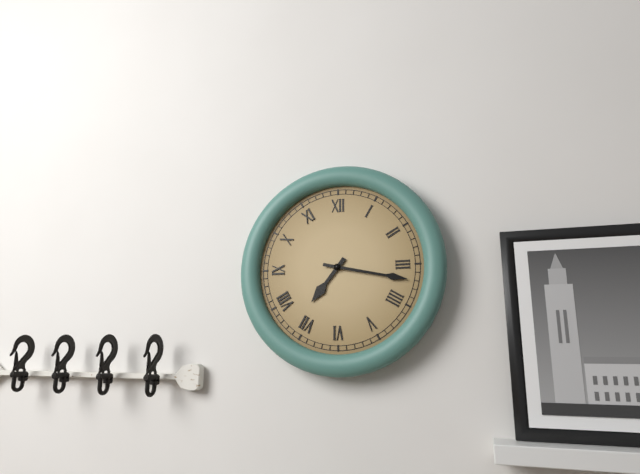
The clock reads **7:17**
